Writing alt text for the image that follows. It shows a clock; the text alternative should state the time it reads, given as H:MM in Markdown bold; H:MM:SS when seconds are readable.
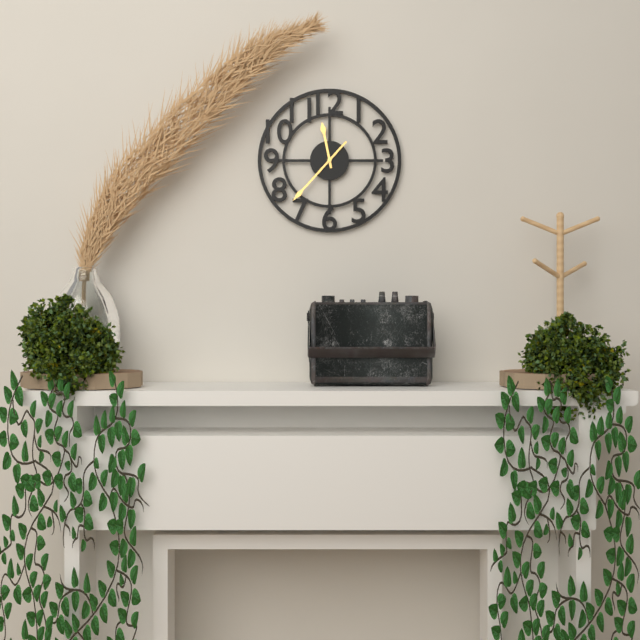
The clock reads **11:37**
